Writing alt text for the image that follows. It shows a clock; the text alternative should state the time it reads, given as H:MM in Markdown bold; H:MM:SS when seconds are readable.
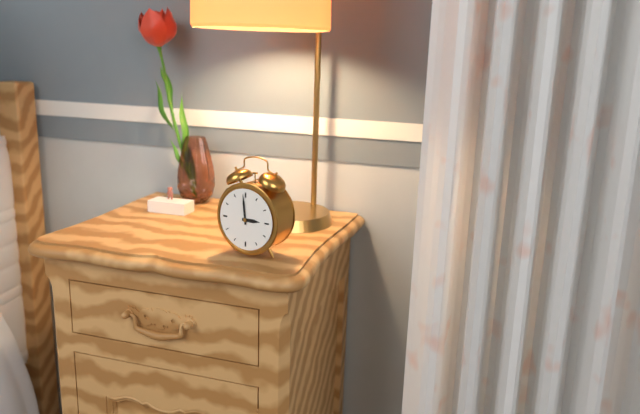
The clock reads **2:59**
